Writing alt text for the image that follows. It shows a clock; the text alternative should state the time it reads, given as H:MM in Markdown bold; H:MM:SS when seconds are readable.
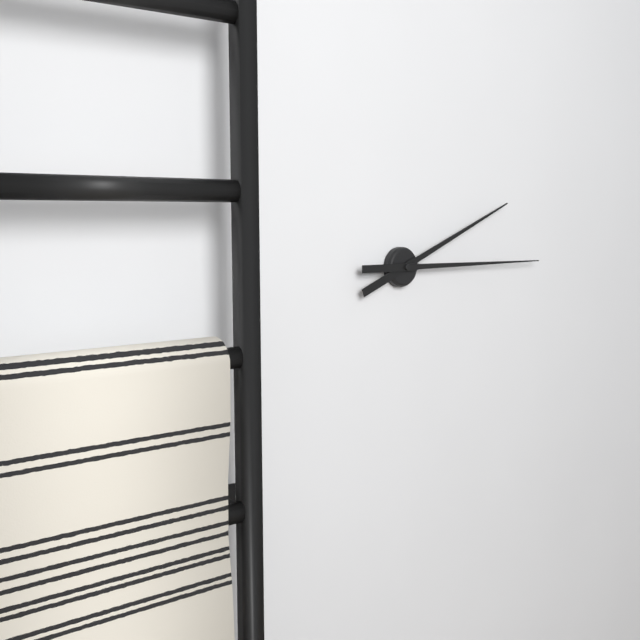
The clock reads **2:15**
